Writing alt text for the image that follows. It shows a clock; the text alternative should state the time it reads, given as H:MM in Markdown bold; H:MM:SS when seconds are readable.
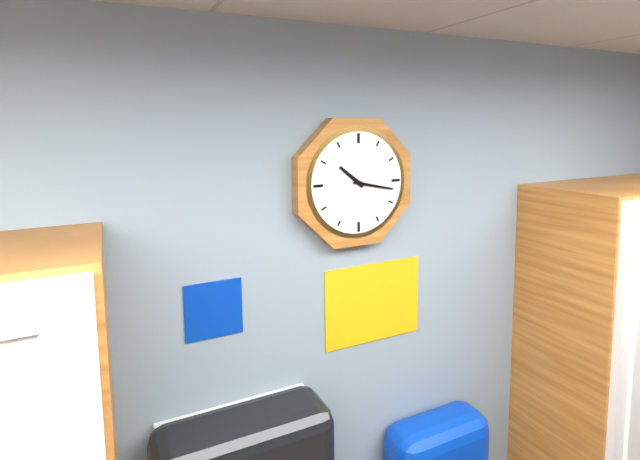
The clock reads **10:17**
